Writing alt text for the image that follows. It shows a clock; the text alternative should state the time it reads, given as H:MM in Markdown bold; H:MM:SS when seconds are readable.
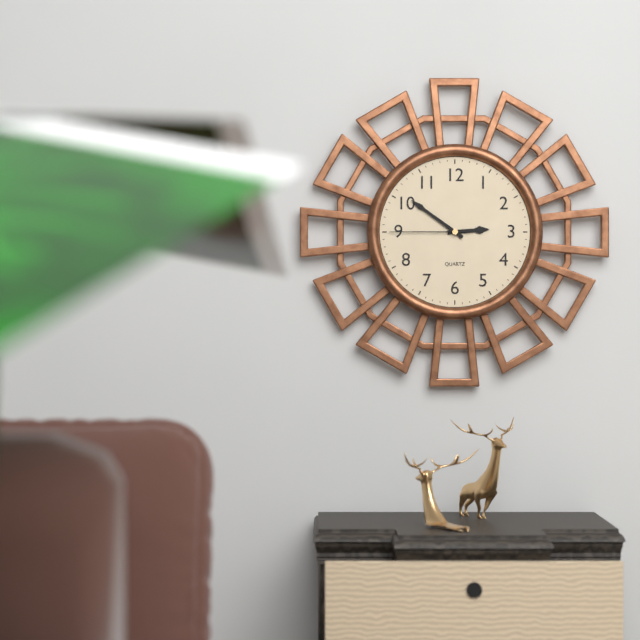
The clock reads **2:51:45**
